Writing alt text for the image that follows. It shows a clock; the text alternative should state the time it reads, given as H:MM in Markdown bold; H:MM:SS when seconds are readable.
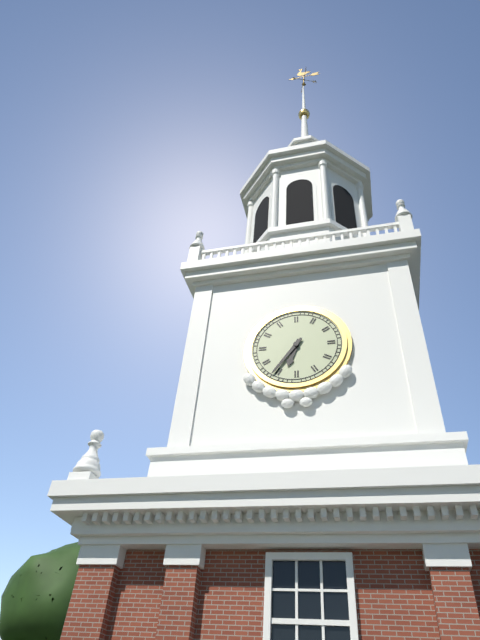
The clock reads **6:36**
